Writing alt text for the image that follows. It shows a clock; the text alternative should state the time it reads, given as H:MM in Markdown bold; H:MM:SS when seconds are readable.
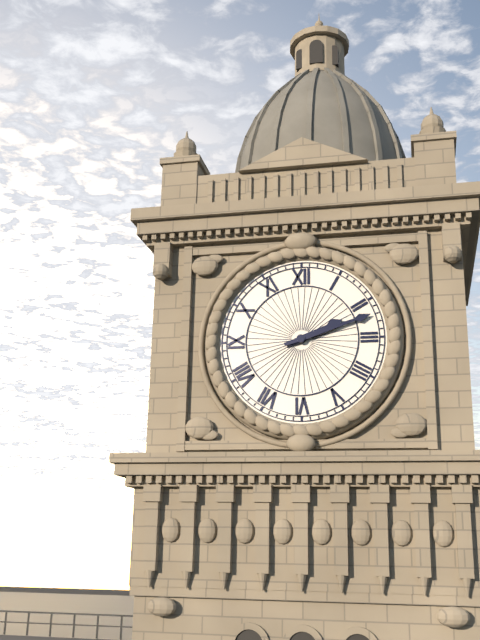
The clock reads **2:12**
